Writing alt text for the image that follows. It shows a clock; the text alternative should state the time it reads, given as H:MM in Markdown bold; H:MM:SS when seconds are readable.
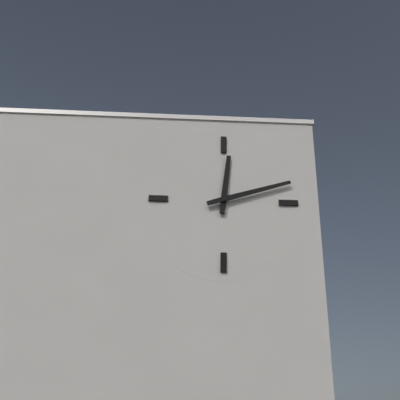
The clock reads **12:12**
